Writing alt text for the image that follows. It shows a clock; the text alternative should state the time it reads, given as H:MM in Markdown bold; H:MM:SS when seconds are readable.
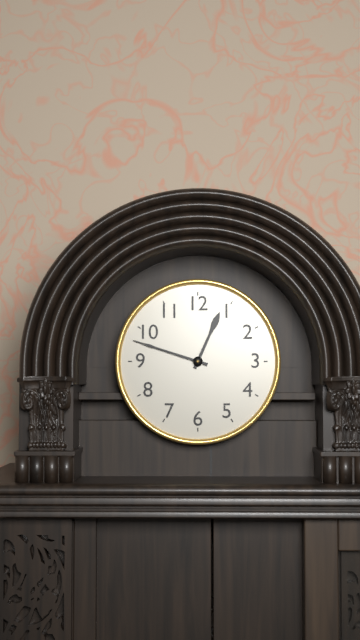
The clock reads **12:48**
